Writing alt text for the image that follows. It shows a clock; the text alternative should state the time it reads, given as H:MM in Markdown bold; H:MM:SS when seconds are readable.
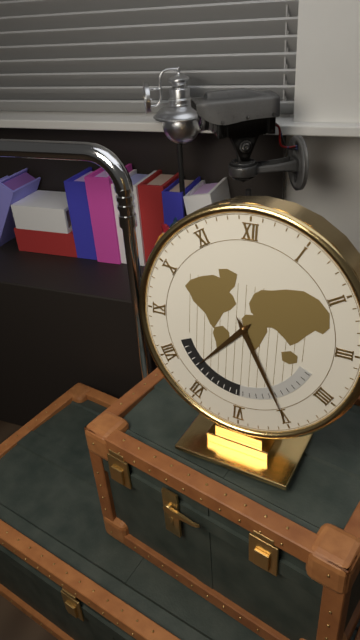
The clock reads **7:25**
